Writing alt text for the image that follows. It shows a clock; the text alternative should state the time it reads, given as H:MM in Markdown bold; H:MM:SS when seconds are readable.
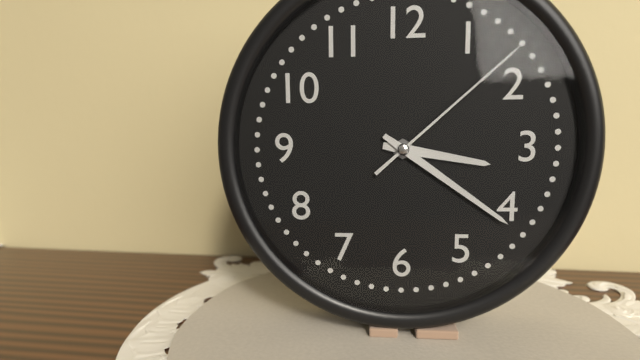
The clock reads **3:21:08**
